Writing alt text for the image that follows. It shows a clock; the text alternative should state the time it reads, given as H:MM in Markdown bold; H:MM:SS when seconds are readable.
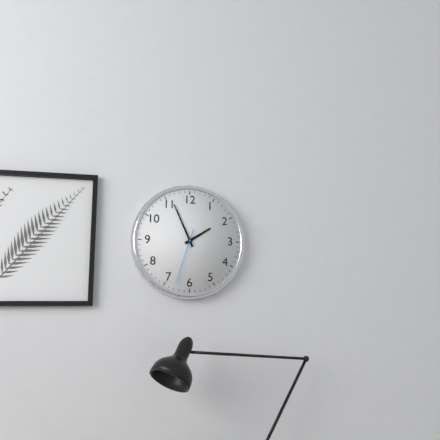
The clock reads **1:56:33**
